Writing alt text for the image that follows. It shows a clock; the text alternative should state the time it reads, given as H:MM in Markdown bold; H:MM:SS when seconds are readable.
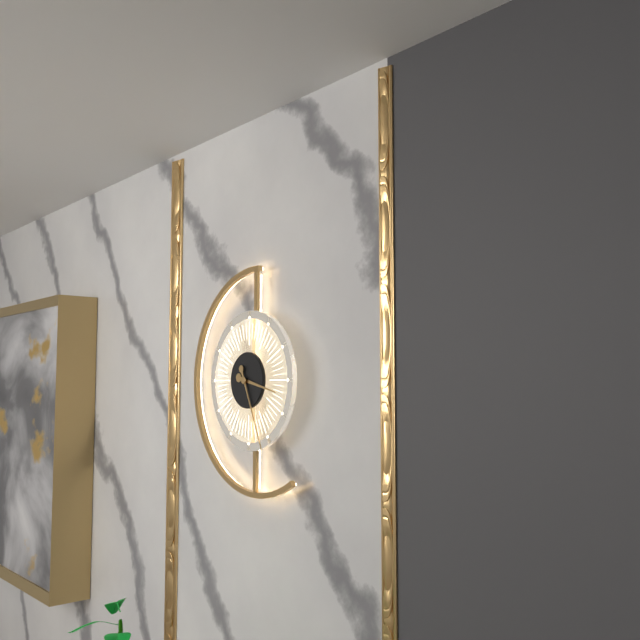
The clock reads **3:26**
